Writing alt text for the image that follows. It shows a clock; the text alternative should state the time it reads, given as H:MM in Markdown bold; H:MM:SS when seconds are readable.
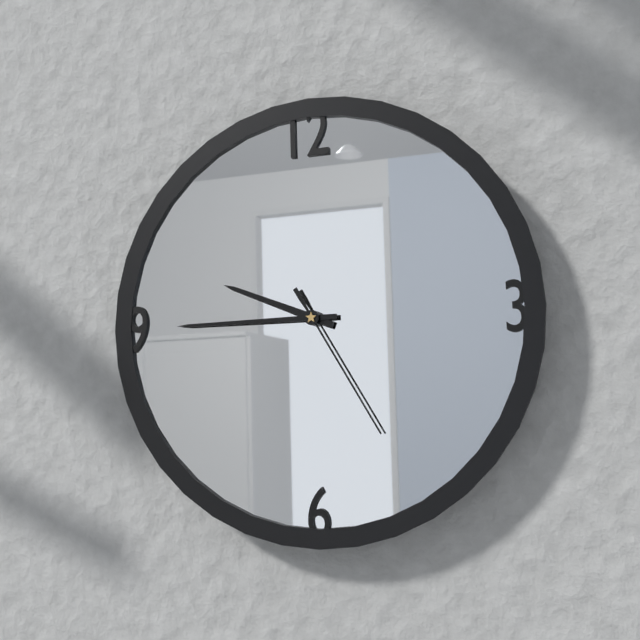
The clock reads **9:45:25**
